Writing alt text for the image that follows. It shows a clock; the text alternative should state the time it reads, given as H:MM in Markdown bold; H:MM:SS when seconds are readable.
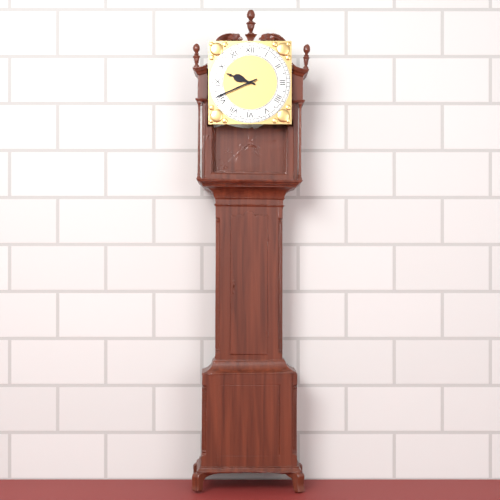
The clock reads **9:41**
